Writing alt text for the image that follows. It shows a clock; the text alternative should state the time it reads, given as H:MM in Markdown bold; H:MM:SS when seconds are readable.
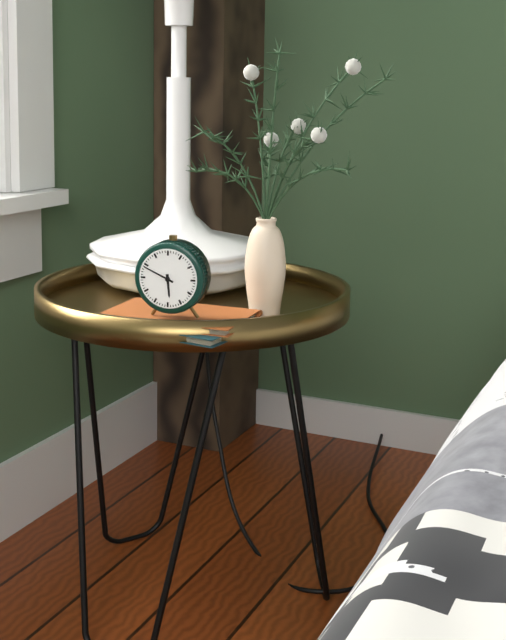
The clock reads **5:49**
